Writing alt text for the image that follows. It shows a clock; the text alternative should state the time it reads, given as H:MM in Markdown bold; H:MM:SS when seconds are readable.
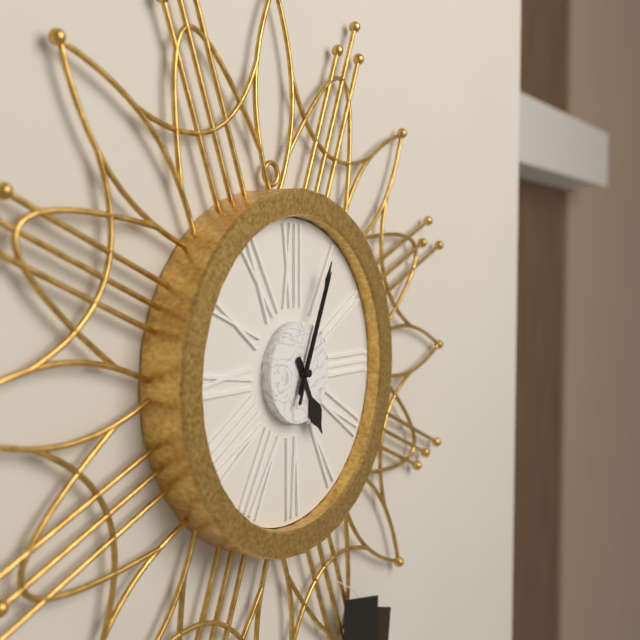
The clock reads **5:04:04**
